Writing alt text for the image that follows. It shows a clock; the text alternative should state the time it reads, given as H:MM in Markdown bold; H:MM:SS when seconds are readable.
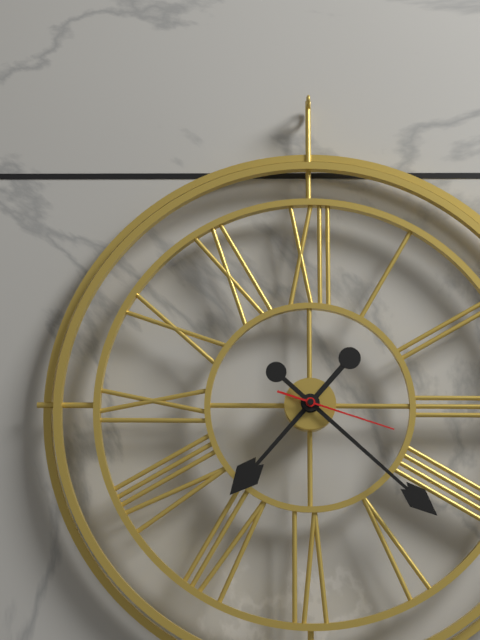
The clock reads **7:22:18**
